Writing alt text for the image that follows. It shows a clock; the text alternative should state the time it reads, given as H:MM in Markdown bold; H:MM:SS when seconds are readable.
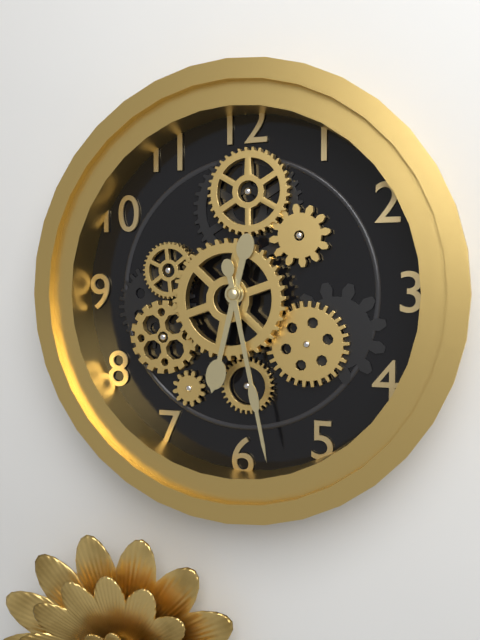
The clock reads **6:28**
